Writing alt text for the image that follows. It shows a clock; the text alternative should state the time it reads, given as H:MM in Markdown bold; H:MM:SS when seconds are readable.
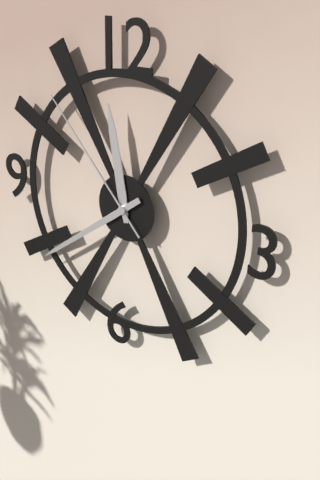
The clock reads **11:39:53**
